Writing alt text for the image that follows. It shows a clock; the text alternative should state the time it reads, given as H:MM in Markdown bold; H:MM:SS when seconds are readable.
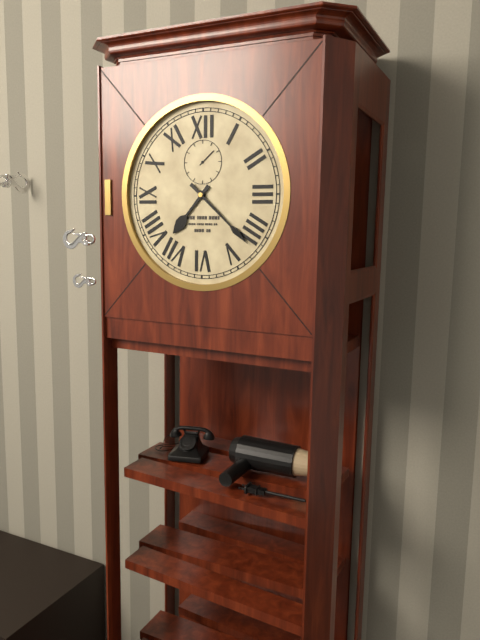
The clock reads **7:22**
